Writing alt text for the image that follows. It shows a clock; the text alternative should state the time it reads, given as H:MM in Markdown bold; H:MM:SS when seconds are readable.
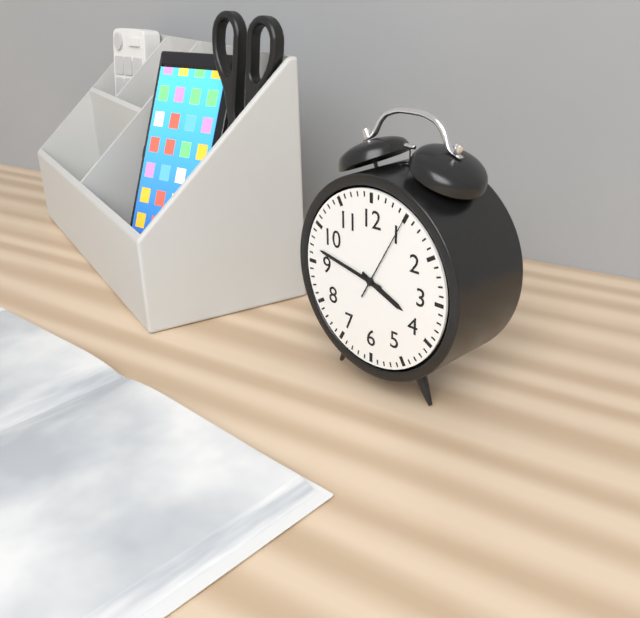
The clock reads **3:47:05**
